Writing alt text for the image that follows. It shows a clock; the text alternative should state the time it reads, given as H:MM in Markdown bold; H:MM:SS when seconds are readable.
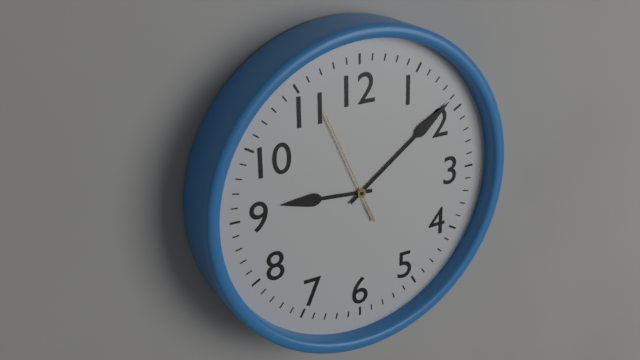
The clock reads **9:09:56**
